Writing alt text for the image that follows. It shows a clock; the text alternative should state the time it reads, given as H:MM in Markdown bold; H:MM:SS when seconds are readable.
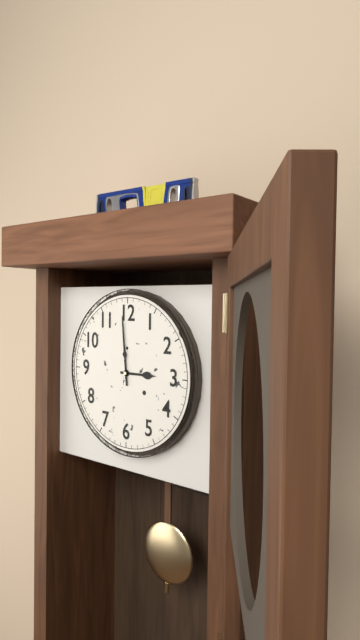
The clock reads **2:59**
